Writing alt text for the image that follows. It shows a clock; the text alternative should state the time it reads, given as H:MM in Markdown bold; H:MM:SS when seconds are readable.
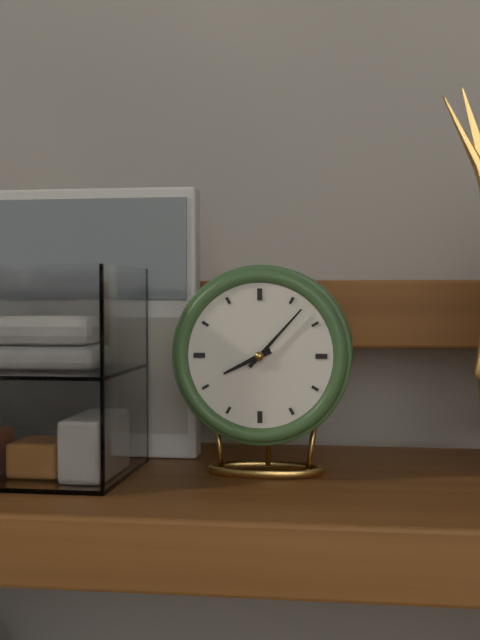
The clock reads **8:07**
